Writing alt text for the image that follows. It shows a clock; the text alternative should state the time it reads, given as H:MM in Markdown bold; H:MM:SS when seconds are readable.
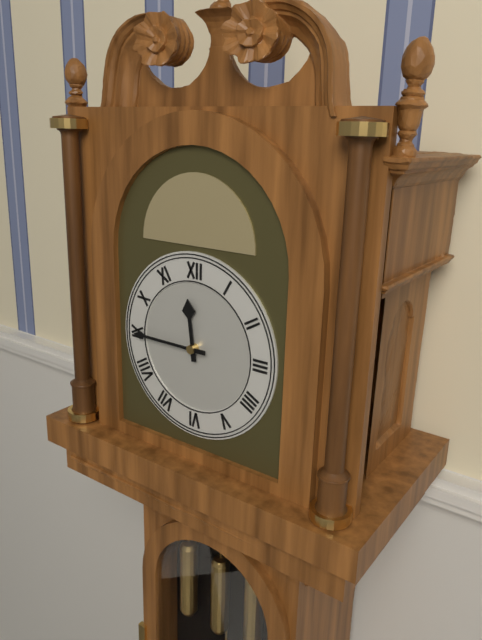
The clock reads **11:45**
